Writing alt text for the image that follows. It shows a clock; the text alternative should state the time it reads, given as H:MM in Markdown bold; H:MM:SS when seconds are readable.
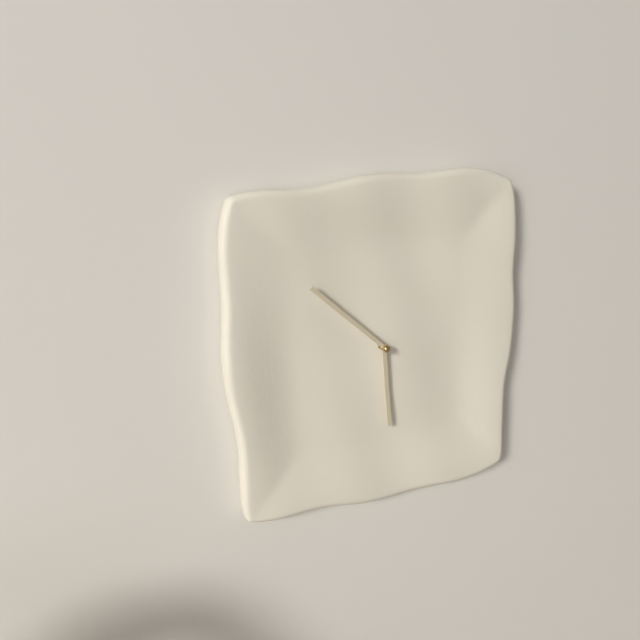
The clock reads **5:52**
